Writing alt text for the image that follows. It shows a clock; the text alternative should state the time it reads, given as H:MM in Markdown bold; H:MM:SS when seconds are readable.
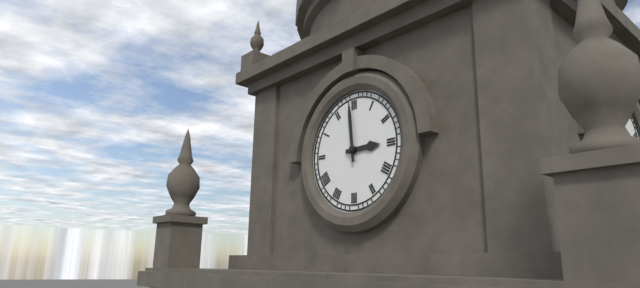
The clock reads **2:59**
